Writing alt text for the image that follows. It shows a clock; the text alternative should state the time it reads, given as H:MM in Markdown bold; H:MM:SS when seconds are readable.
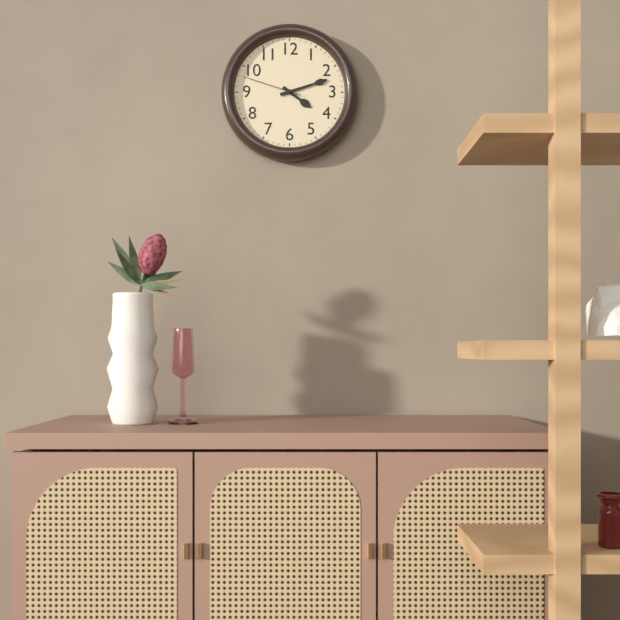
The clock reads **4:12:48**
